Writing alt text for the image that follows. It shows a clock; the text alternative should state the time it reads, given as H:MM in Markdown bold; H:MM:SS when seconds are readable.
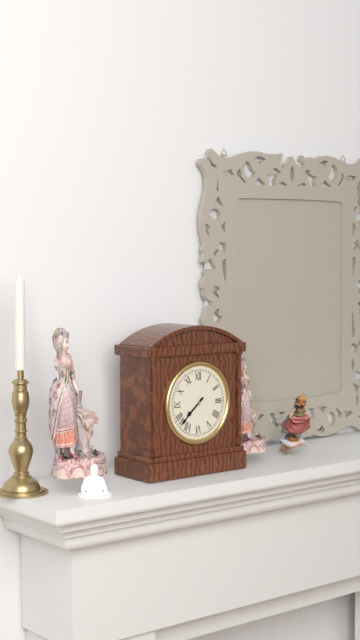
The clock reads **7:38**
